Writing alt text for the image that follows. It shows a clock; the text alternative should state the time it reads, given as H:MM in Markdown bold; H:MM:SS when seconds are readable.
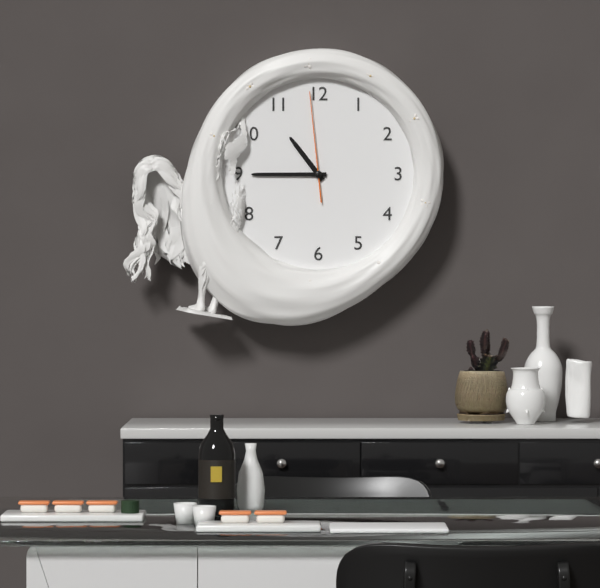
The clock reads **10:45:59**
